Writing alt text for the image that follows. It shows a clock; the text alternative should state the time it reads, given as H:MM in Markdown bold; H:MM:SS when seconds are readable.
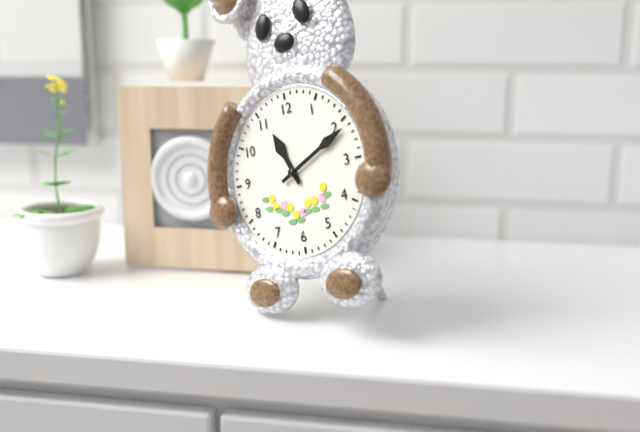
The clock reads **11:11**
